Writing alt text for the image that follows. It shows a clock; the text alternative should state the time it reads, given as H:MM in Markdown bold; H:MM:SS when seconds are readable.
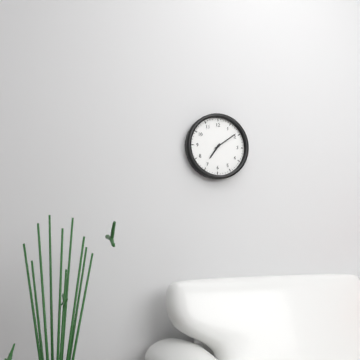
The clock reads **7:09**
